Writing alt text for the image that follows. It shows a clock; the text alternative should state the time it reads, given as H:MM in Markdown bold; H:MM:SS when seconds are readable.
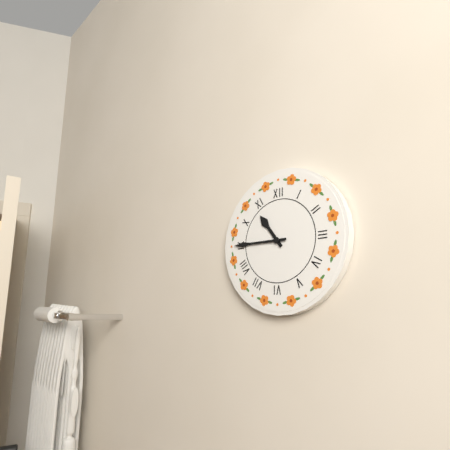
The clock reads **10:45**
